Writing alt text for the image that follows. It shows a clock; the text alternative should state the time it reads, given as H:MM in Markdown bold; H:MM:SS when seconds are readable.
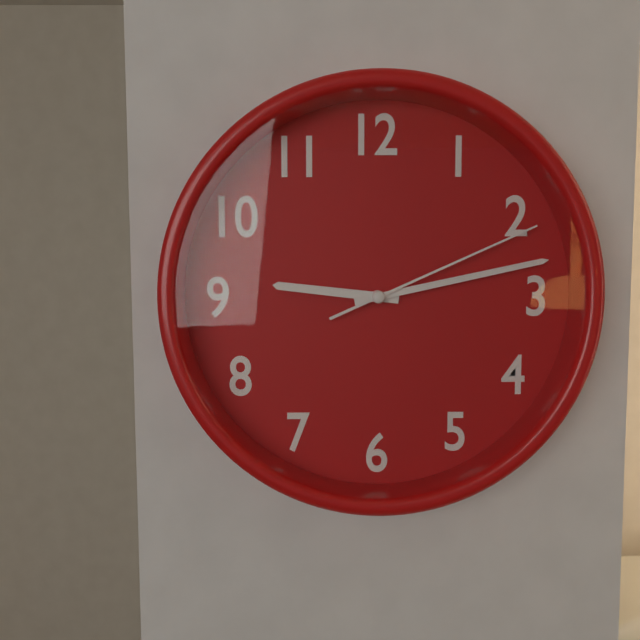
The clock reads **9:13:11**
